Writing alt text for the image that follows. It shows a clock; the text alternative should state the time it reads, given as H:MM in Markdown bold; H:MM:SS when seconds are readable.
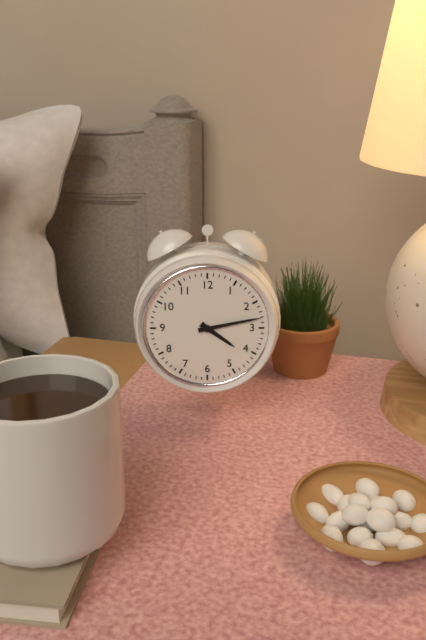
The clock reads **4:13**
